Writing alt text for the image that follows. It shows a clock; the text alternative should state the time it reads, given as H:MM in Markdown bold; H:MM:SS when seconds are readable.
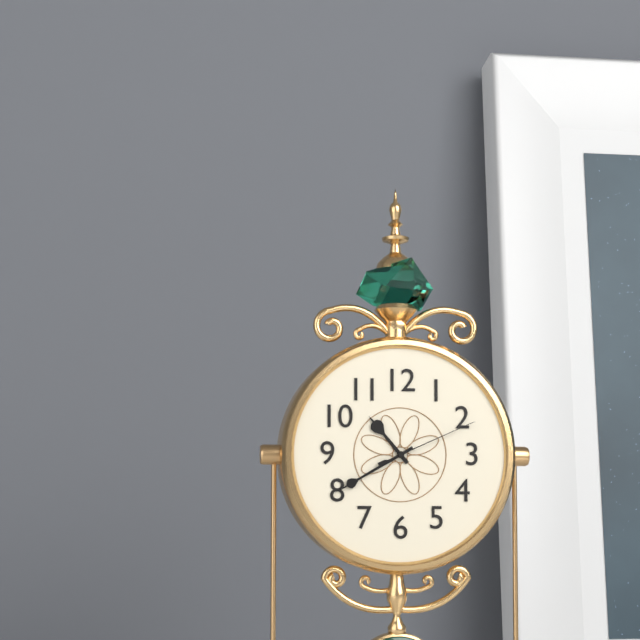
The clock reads **10:40:11**
